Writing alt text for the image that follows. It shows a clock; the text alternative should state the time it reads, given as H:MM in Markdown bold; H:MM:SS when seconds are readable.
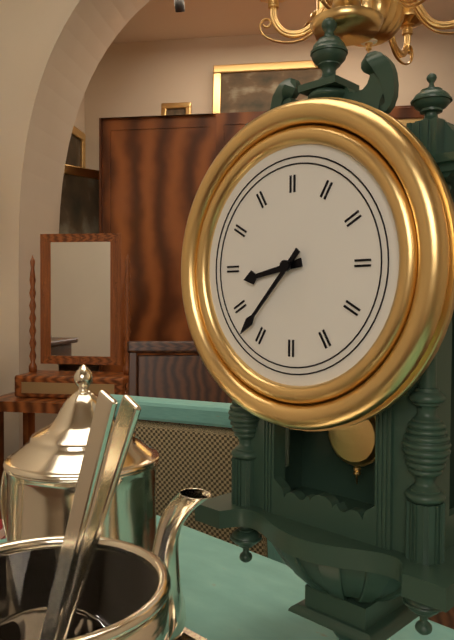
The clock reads **8:37**
